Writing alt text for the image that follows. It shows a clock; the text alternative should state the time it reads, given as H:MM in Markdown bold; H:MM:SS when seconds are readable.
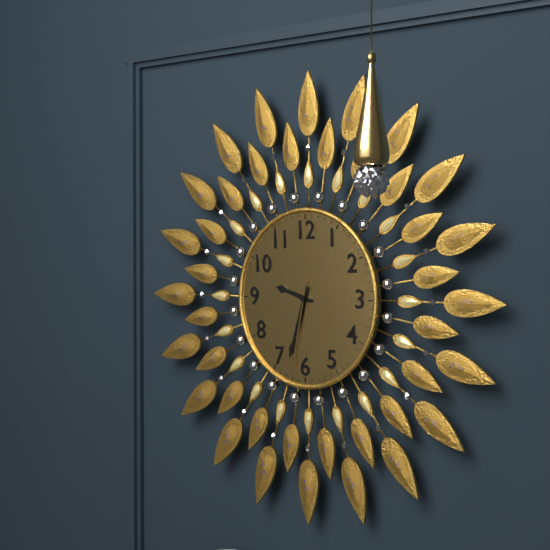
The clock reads **9:33:32**
